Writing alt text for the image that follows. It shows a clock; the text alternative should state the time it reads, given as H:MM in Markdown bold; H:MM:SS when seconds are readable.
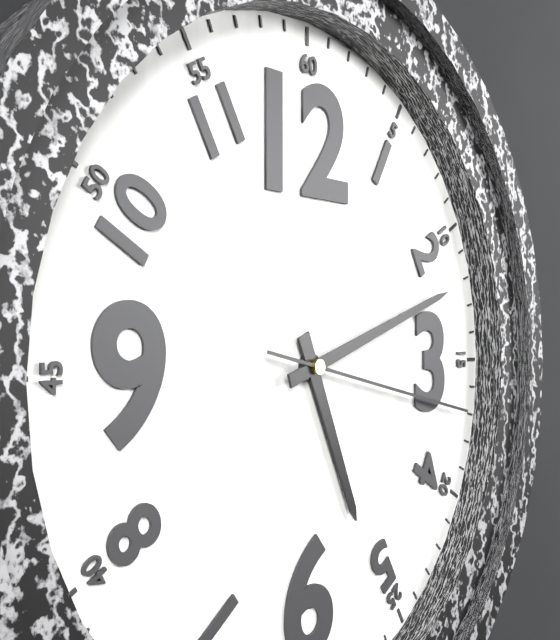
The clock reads **5:12:17**
